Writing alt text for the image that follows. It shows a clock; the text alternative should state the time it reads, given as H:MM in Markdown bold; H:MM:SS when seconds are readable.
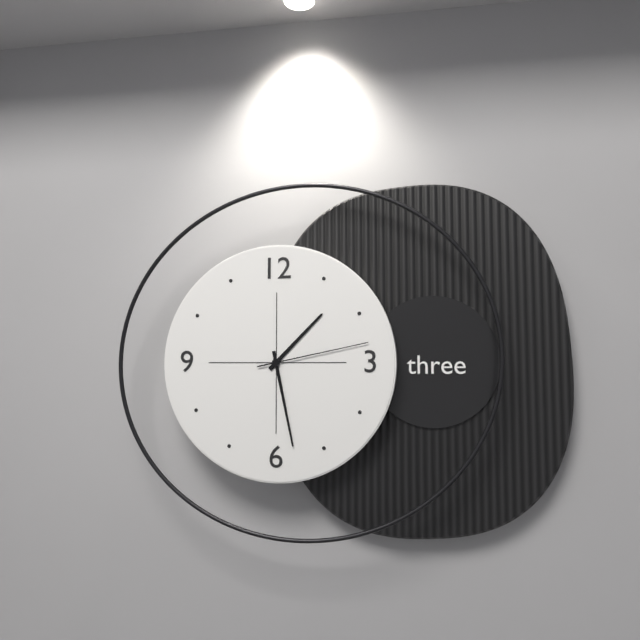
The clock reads **1:28:13**
